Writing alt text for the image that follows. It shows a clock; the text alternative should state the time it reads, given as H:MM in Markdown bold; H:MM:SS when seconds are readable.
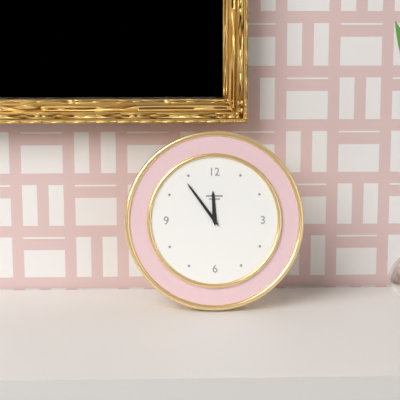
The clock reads **11:54**
